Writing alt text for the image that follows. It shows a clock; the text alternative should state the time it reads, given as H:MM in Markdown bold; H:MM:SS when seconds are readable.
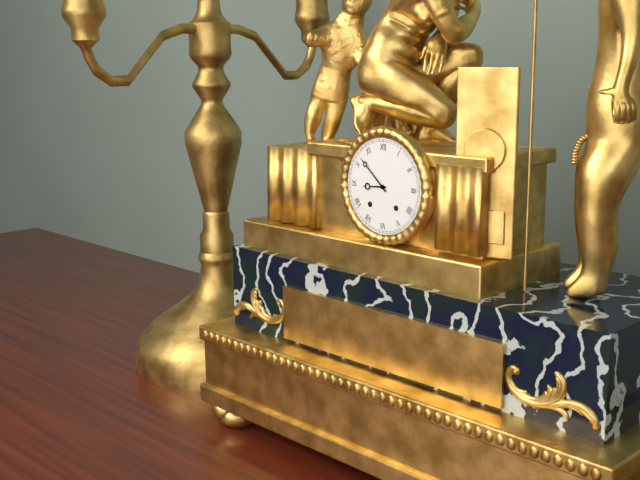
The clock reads **8:52**
